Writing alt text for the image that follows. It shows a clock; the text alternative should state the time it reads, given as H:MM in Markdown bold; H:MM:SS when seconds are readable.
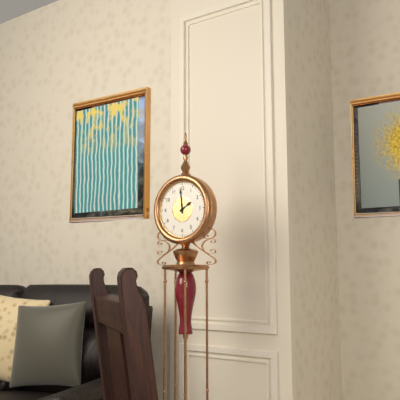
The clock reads **1:59**
